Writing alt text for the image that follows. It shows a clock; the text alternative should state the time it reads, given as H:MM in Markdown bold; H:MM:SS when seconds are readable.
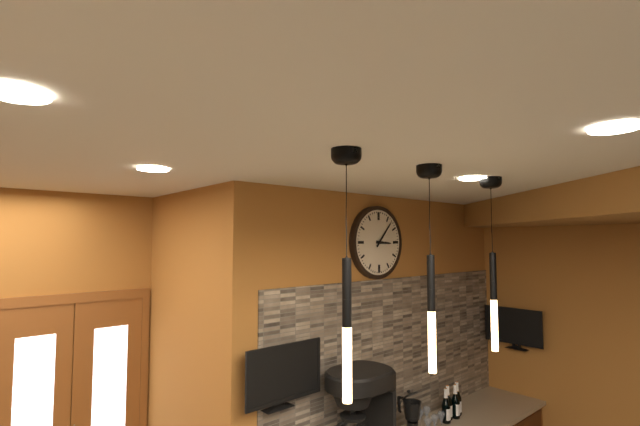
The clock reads **3:07**
